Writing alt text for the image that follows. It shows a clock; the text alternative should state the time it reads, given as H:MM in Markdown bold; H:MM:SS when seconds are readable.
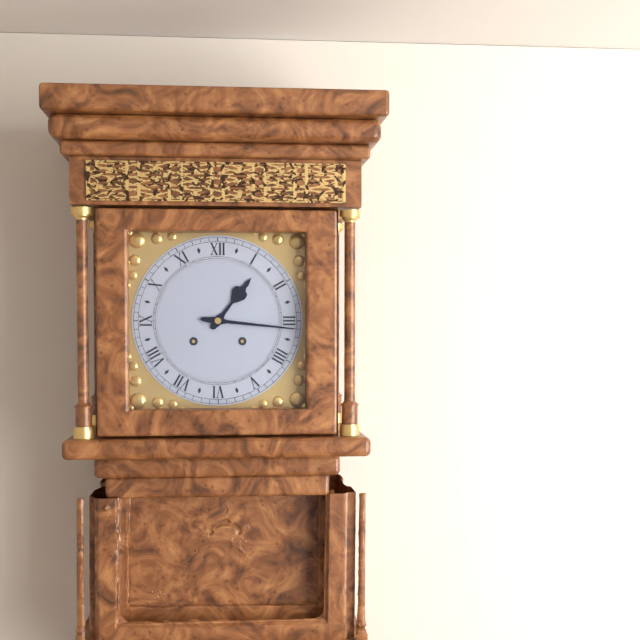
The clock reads **1:16**
